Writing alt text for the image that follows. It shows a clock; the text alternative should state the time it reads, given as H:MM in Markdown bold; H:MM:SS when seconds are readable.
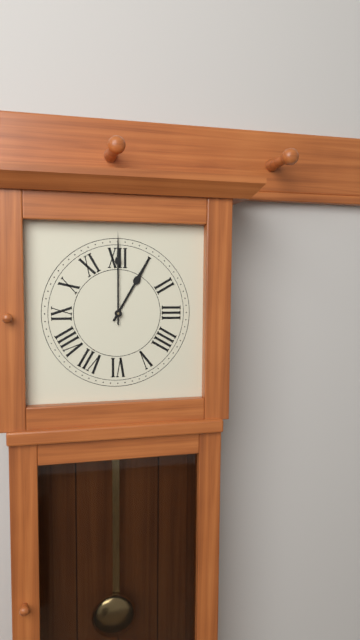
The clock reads **1:00**
